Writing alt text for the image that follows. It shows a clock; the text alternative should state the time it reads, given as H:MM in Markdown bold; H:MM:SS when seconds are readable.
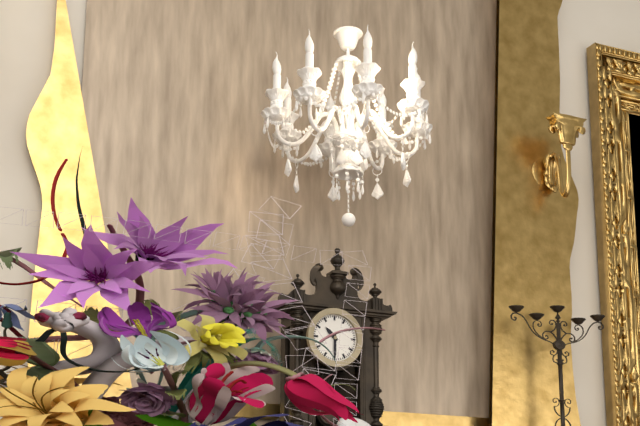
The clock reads **10:30**
